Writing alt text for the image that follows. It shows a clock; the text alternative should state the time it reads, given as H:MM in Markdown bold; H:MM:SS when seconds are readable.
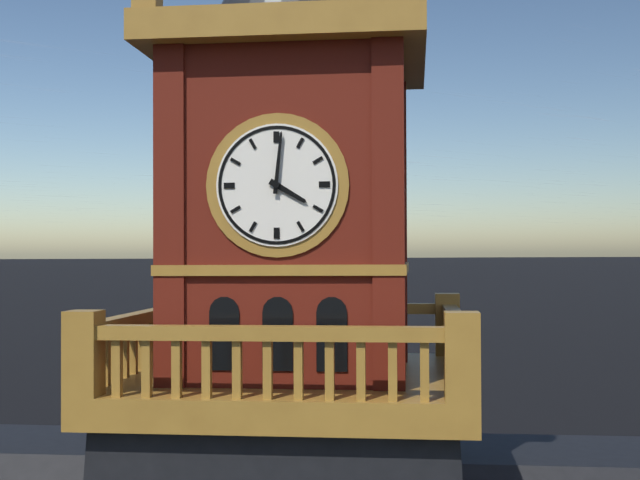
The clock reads **4:01**
